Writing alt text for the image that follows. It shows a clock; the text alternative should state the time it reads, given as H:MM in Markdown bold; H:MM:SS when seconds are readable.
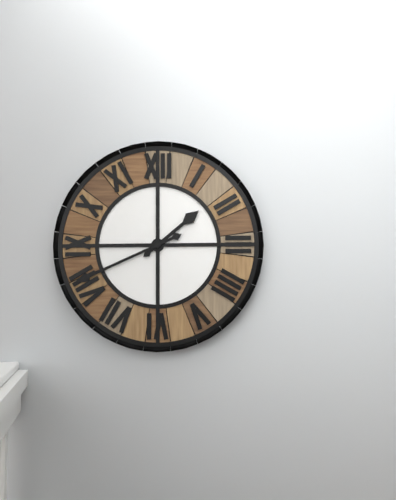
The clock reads **1:41**
